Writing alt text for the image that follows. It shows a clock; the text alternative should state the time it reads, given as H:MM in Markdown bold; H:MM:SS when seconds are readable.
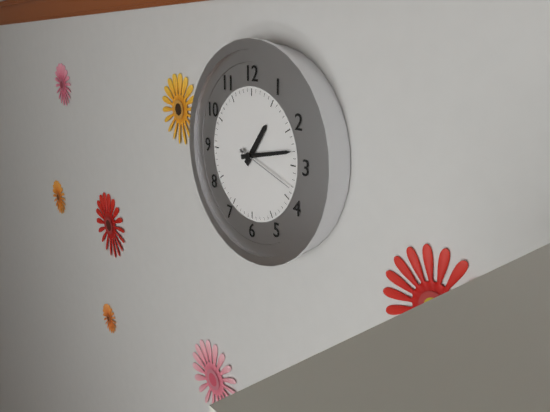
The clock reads **1:13:18**
